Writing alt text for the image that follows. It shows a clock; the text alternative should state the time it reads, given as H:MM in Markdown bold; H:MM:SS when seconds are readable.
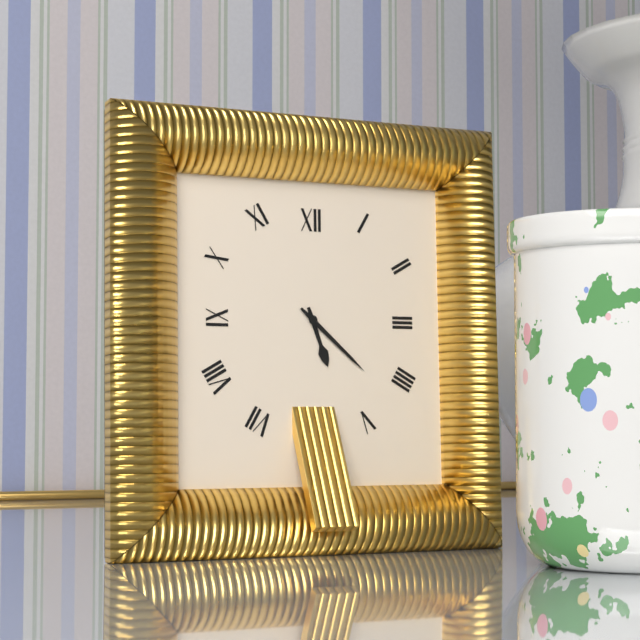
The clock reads **5:22**
